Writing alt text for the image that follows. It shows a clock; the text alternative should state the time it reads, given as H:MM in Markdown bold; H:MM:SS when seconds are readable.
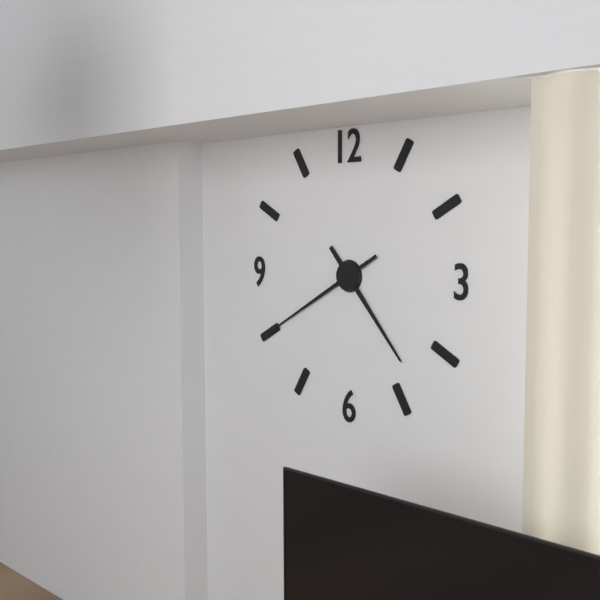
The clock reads **4:40**
